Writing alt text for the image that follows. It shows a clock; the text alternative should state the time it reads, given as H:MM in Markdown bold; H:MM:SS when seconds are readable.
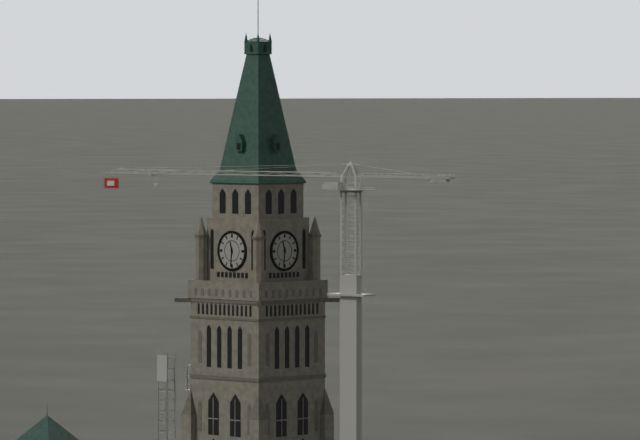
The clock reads **11:31**
